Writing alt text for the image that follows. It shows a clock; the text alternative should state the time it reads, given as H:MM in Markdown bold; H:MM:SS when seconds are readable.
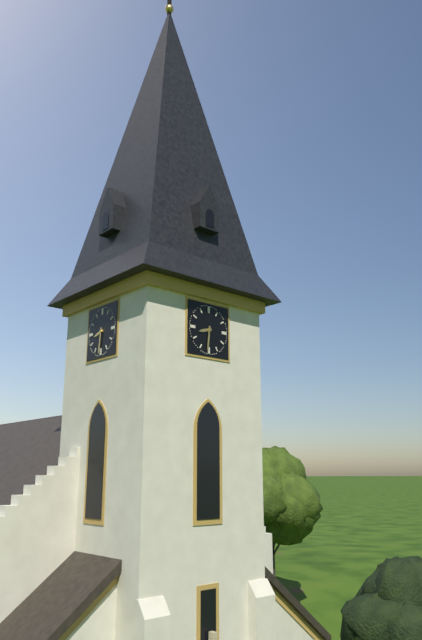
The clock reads **8:31**
